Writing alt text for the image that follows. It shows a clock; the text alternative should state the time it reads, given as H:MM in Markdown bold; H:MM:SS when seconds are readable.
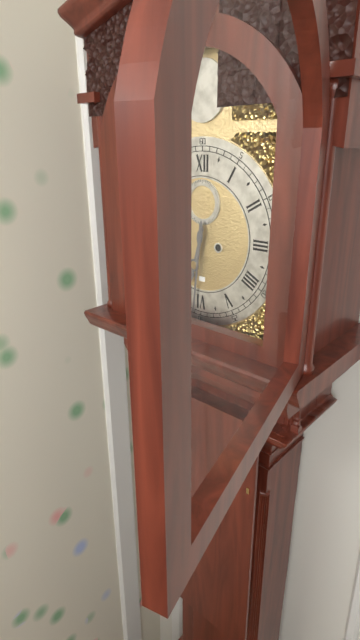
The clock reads **6:31**
